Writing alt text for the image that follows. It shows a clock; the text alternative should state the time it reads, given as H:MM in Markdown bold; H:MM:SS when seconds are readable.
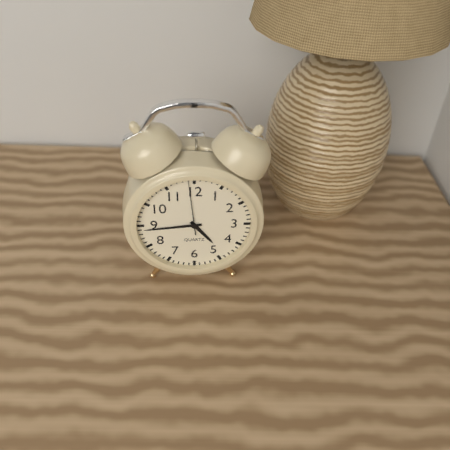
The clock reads **4:44:59**
